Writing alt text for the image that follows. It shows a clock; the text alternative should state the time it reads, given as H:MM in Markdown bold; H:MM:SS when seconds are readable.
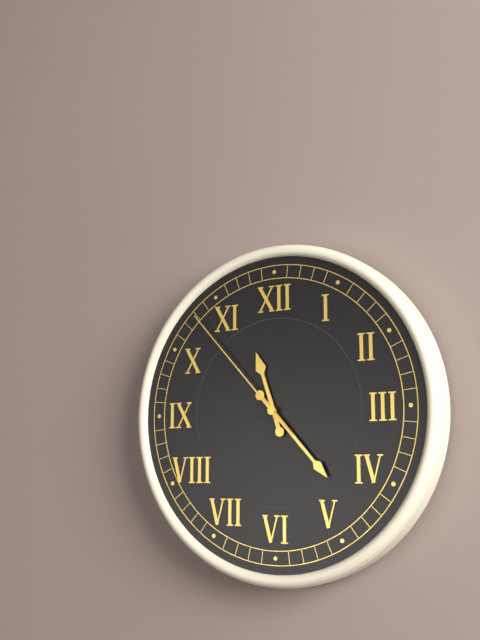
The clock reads **11:23:53**
